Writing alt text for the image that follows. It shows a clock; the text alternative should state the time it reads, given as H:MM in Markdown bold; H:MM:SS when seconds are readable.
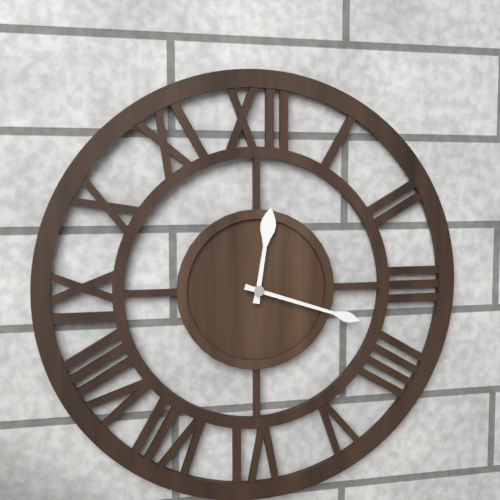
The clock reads **12:18**
